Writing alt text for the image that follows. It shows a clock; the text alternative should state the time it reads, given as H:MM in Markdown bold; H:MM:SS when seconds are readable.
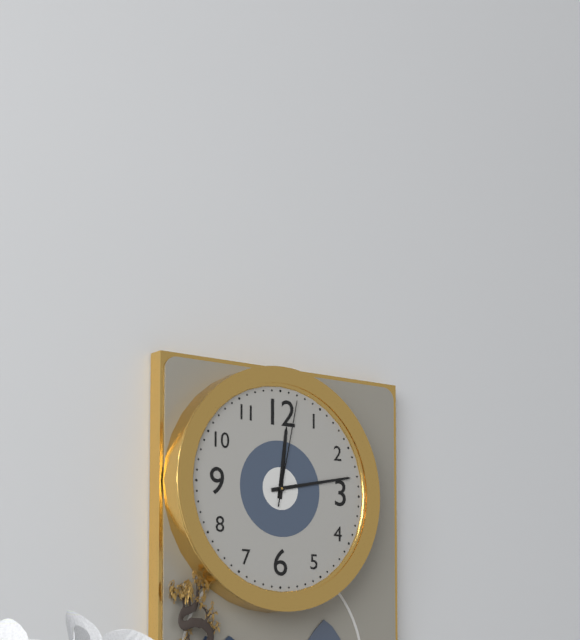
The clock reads **12:13:02**
